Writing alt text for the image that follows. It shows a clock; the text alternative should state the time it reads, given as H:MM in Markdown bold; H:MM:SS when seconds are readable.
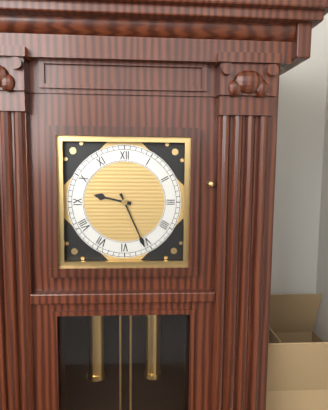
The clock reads **9:26**
